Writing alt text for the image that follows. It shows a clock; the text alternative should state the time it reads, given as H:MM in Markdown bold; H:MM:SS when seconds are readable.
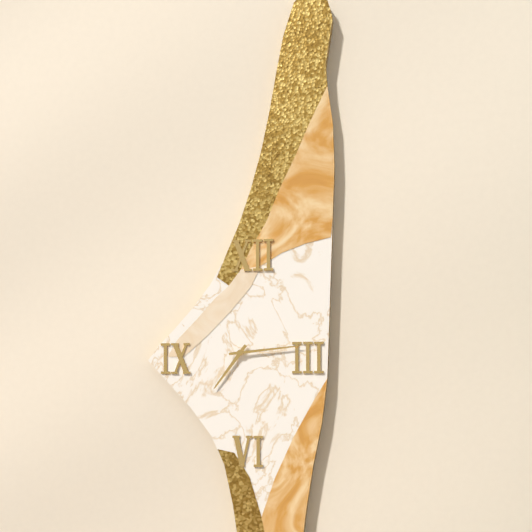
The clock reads **7:14**
